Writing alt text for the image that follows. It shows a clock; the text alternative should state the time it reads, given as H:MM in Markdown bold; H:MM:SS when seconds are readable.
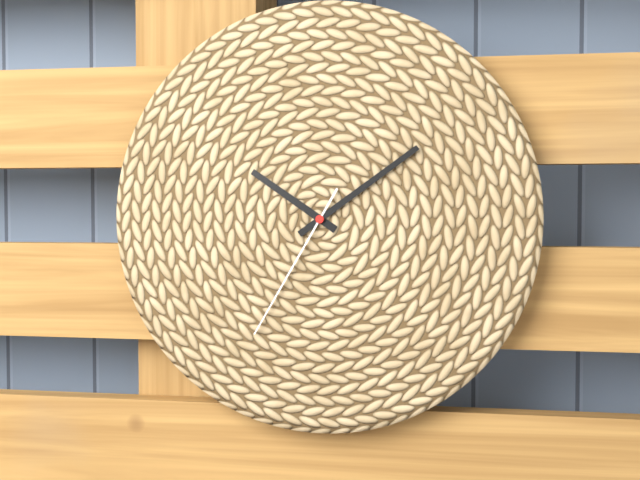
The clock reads **10:09:35**
